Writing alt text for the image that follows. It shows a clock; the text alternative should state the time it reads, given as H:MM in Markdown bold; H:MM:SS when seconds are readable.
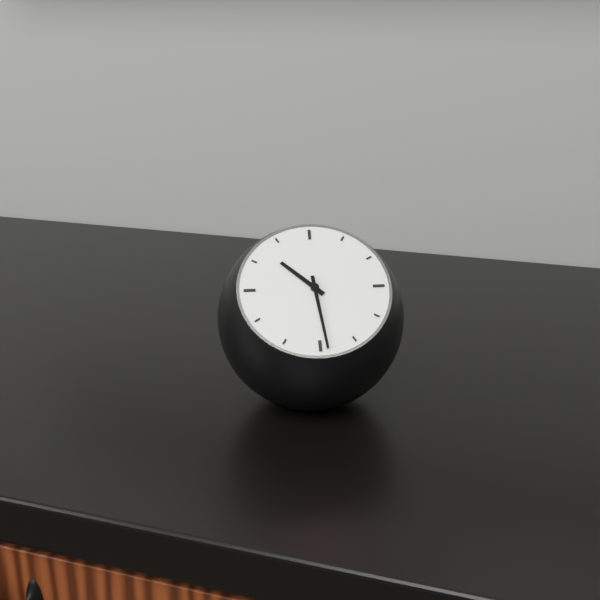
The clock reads **10:29**
